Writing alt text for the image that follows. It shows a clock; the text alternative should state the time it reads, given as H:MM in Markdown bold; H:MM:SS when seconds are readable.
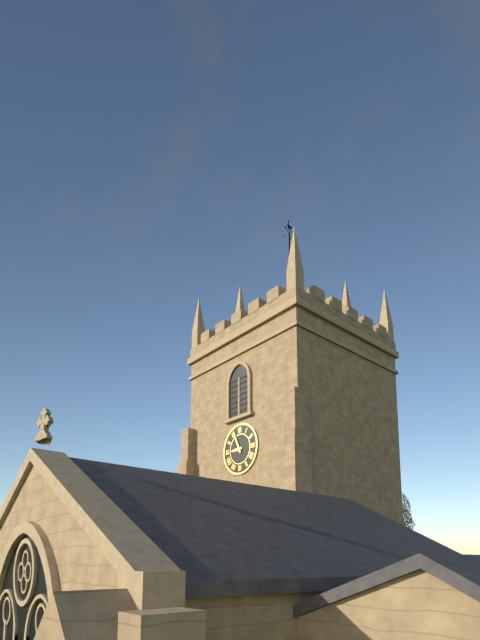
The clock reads **8:56**
